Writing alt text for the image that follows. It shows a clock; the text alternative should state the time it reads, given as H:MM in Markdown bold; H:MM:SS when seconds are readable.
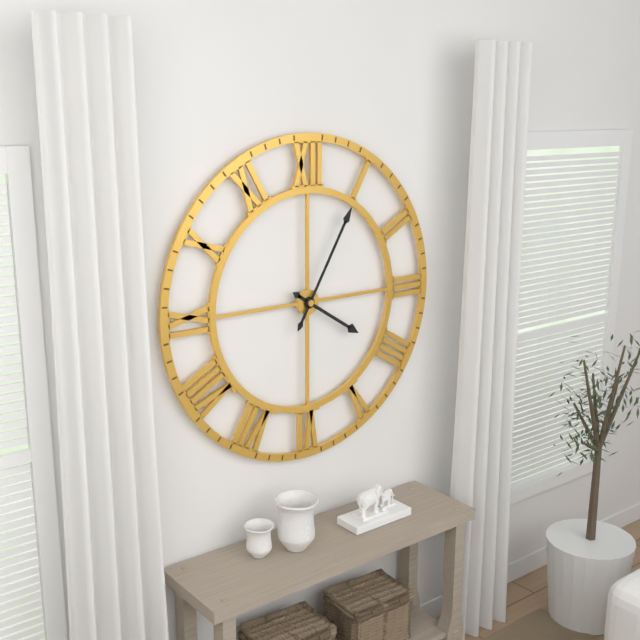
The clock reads **4:05**
